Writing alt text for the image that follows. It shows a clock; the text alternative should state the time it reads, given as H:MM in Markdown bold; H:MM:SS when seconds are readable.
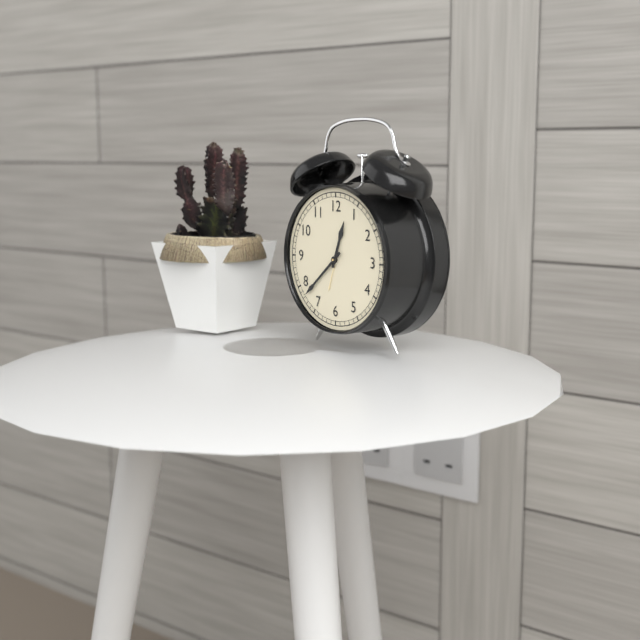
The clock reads **12:38**
